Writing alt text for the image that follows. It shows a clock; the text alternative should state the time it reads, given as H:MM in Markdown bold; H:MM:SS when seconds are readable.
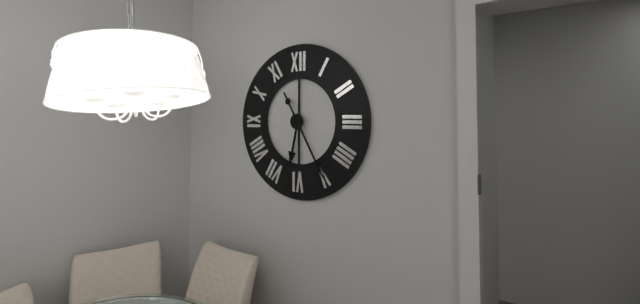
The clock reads **6:25**
